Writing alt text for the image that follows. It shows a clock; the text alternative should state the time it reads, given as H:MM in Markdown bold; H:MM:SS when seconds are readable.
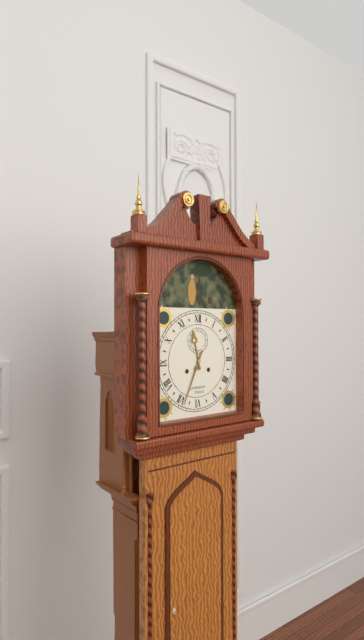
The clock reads **11:34**
